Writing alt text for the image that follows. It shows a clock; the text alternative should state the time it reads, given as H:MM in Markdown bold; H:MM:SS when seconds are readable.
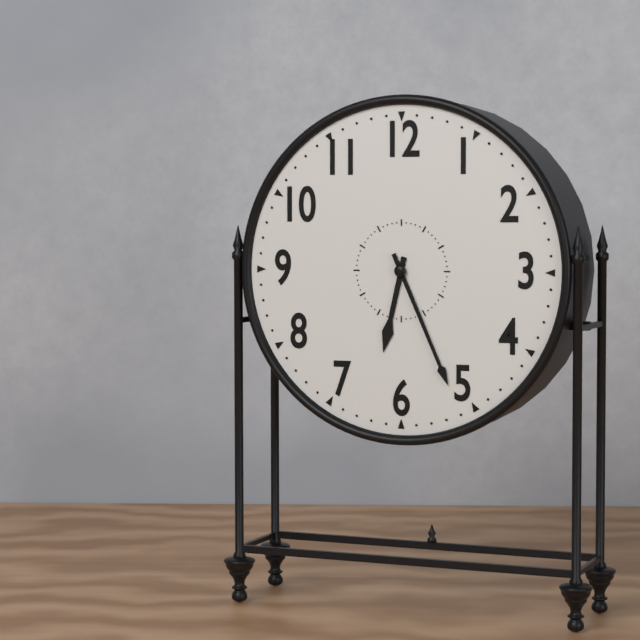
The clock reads **6:26**
